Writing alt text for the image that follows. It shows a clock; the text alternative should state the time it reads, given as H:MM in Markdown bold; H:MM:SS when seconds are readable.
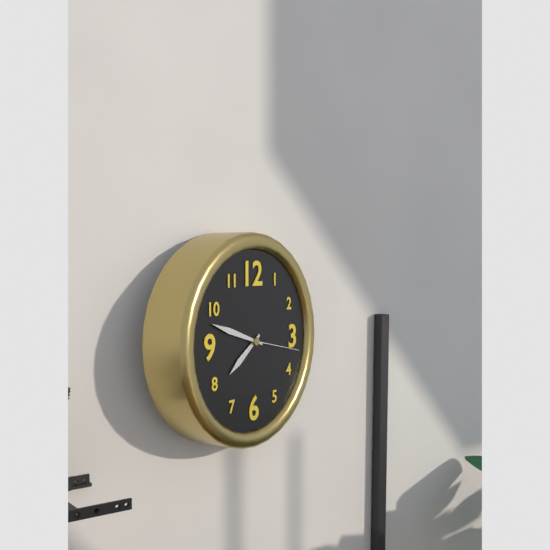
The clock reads **7:48:17**
